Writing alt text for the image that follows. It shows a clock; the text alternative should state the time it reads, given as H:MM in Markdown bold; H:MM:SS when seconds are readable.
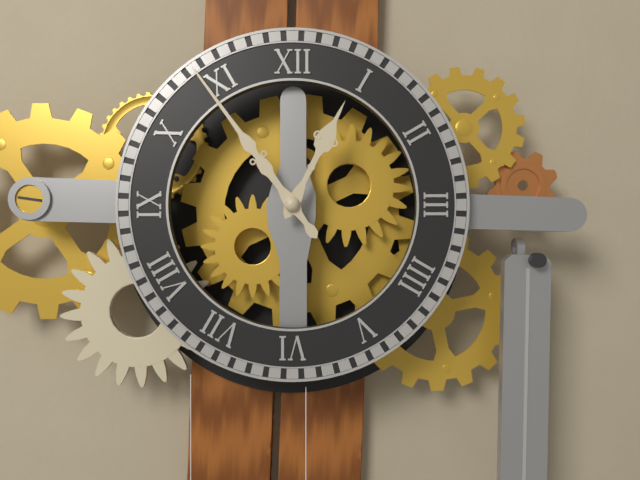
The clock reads **12:54**
